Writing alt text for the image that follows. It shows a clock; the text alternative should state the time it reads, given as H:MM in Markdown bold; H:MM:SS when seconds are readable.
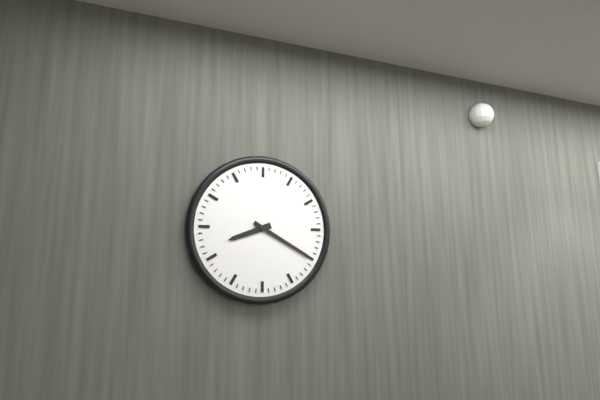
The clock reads **8:20**
